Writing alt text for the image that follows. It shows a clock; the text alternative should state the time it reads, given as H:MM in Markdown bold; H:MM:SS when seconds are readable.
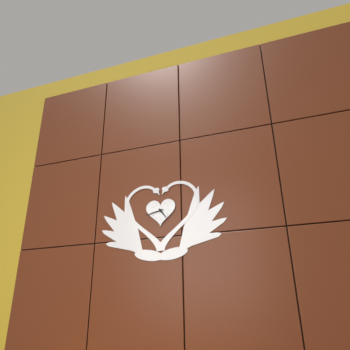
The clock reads **4:43**
